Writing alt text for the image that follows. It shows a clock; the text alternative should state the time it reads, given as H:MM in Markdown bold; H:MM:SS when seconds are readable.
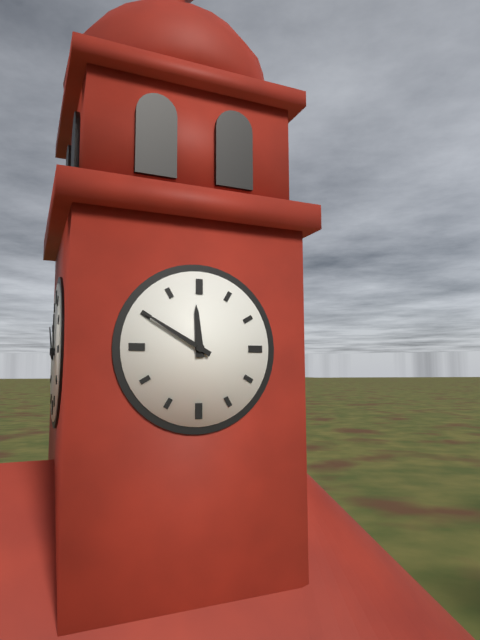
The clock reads **11:50**
